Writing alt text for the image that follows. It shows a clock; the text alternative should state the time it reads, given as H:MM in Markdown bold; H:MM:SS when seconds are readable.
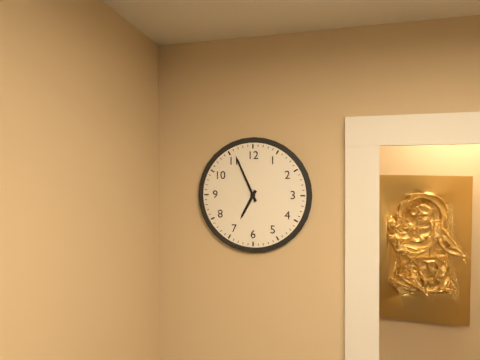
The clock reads **6:56**
